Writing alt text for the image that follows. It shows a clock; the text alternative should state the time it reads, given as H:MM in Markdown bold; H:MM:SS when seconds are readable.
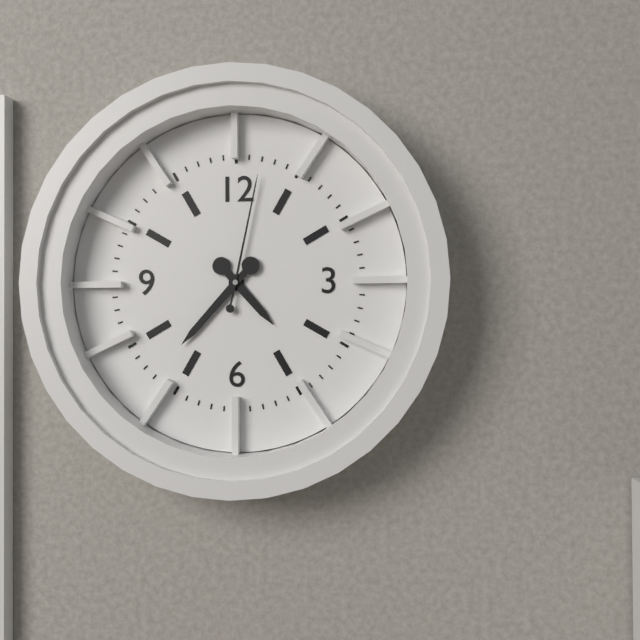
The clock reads **4:37:02**
